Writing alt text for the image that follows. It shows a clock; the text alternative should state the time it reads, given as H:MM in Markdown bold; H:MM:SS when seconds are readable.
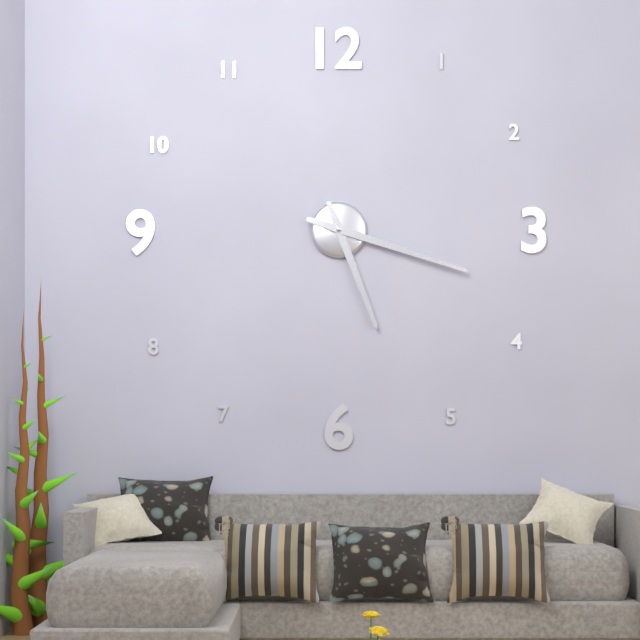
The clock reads **5:18**
